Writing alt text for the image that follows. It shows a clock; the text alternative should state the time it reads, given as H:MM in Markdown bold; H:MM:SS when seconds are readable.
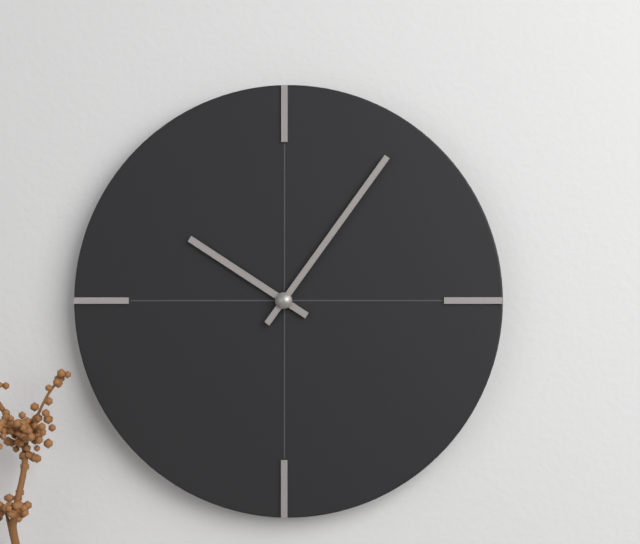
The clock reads **10:06**
